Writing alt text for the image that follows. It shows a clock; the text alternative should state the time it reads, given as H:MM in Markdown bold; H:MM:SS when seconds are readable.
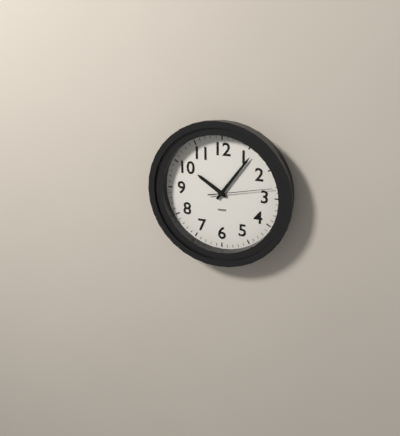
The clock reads **10:06:13**
